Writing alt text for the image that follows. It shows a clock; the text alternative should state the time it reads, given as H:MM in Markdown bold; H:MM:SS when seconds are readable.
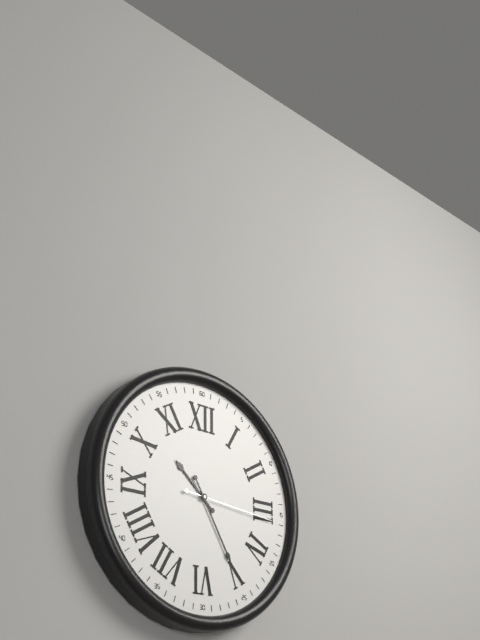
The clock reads **10:25:16**
